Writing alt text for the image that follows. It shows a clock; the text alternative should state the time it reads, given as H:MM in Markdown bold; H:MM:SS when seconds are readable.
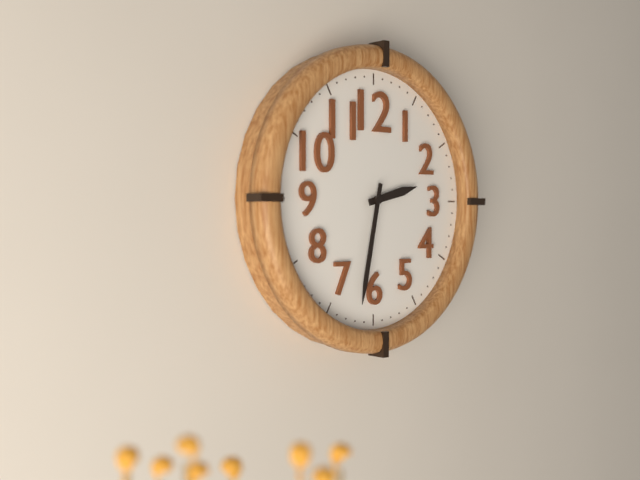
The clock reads **2:32**
